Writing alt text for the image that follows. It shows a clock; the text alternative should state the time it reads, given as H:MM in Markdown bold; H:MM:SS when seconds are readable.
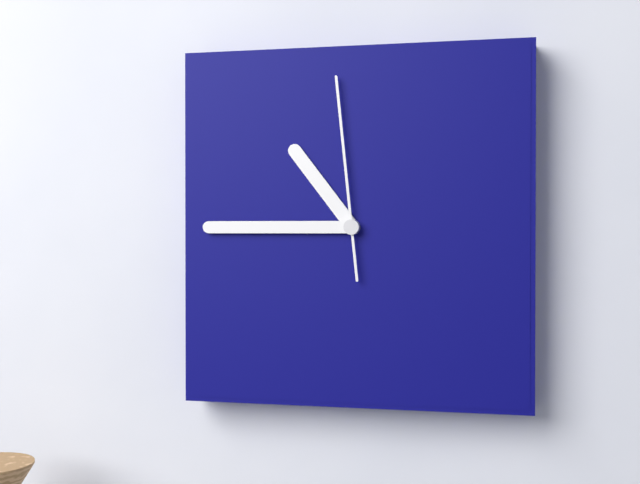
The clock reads **10:45:59**
